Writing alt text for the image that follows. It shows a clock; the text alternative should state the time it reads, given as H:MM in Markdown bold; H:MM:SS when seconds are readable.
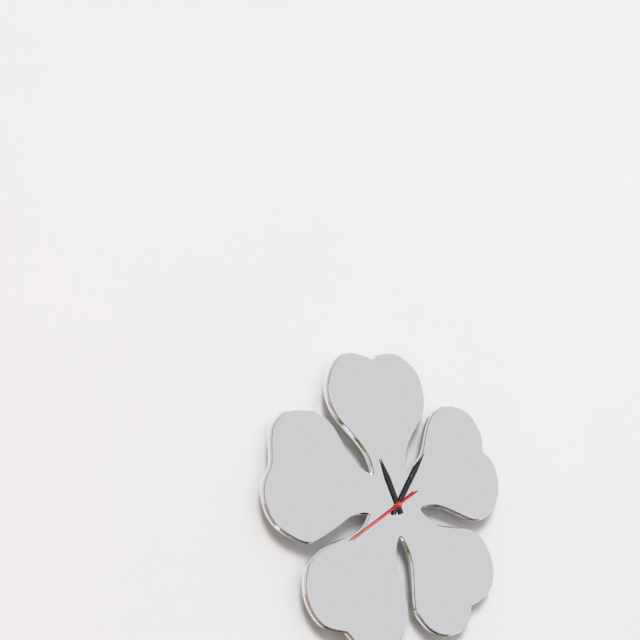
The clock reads **11:05:39**
